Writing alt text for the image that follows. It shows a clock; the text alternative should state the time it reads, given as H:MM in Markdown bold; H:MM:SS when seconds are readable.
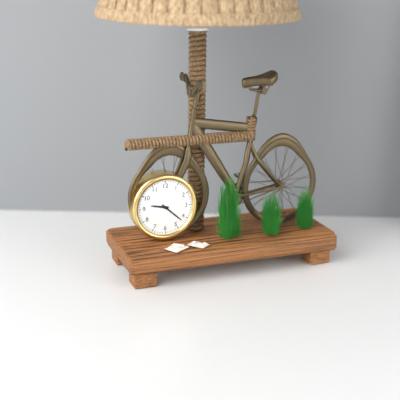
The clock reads **9:22**
